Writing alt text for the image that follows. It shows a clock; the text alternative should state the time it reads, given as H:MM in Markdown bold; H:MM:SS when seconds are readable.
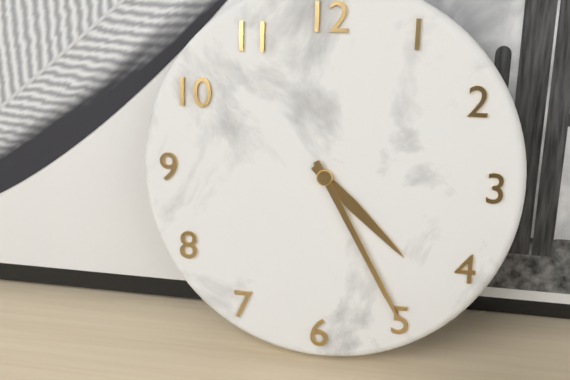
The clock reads **4:25**
